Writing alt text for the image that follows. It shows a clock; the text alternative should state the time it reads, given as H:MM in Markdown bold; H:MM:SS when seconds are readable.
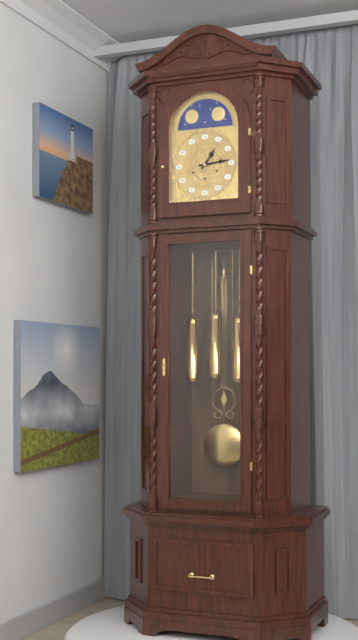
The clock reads **1:14**
